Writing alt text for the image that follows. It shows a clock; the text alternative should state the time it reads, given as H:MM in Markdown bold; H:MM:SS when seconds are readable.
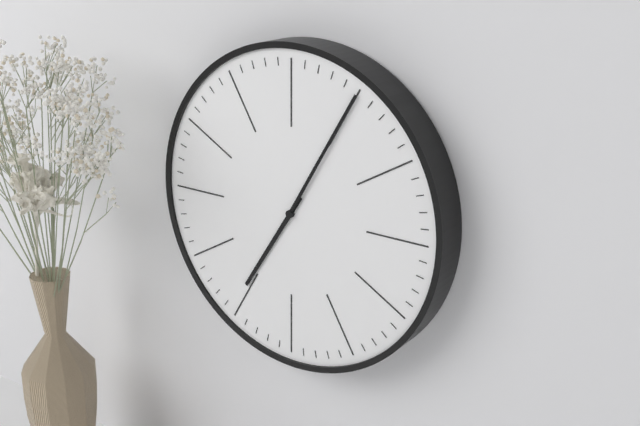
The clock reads **7:05**
